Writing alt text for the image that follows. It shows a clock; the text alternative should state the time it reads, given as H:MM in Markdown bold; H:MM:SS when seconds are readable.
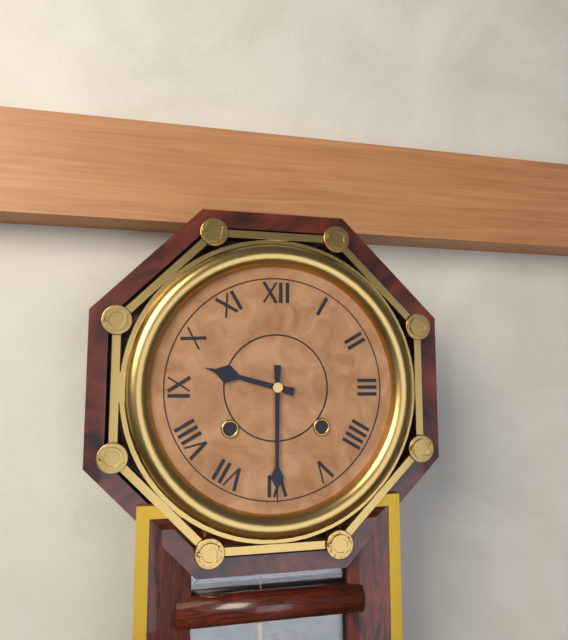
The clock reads **9:30**
